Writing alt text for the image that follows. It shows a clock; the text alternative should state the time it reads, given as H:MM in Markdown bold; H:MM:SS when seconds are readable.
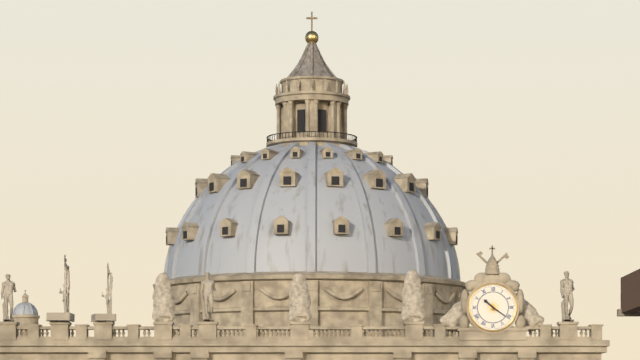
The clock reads **10:21**
